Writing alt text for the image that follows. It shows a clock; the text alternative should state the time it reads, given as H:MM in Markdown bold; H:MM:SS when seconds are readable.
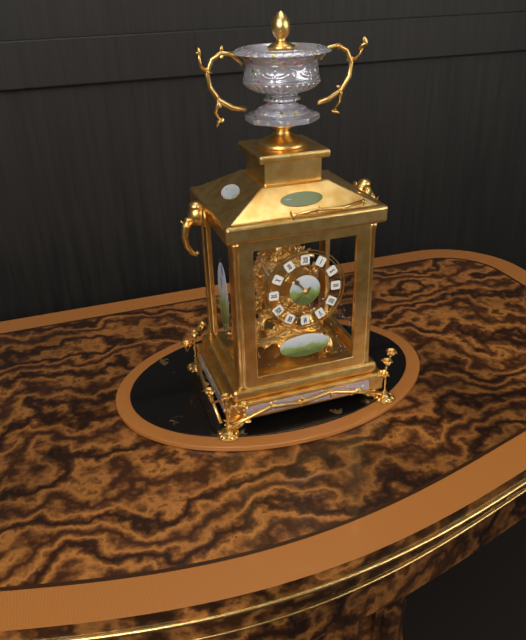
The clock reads **10:39**
